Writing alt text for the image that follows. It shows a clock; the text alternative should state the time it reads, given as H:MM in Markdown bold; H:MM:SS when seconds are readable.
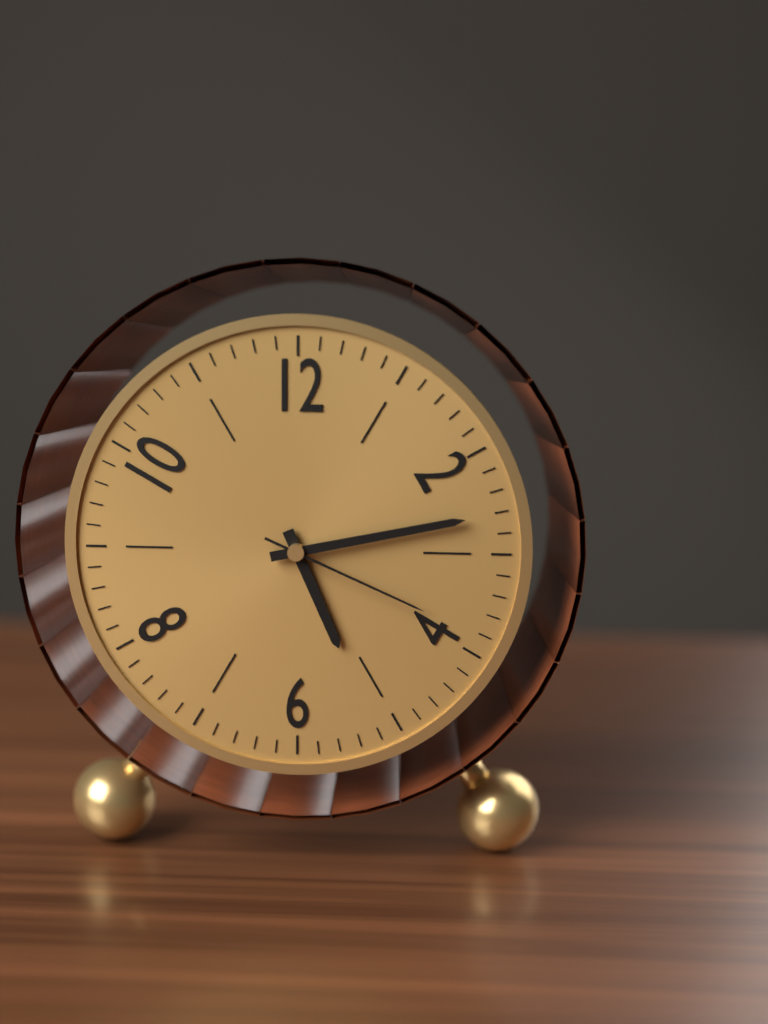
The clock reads **5:13:19**
